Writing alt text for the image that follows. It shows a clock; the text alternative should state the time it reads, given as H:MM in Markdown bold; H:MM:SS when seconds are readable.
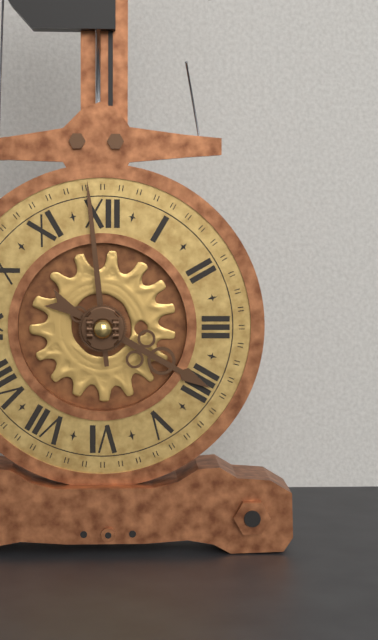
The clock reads **3:59**
